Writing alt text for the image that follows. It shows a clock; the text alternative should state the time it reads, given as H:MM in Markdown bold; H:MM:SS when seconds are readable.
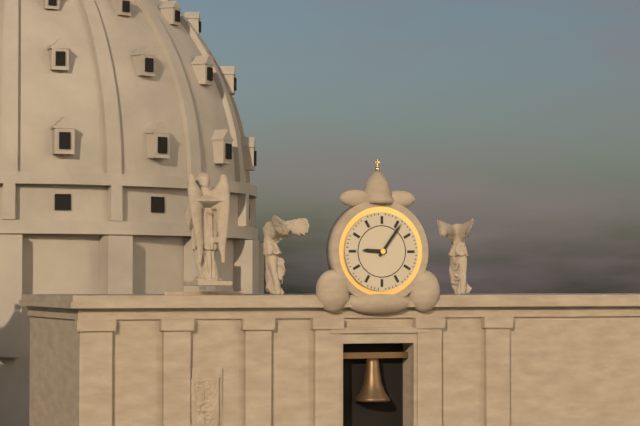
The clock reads **9:06**
